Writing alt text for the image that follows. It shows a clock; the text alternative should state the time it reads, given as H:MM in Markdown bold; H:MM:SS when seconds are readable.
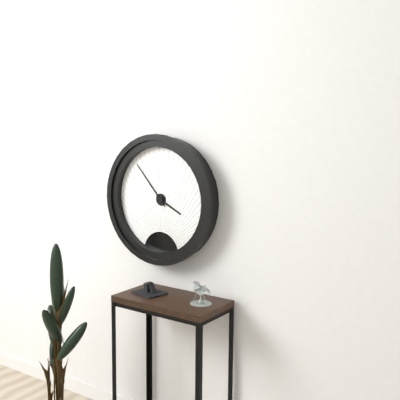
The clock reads **3:53**
